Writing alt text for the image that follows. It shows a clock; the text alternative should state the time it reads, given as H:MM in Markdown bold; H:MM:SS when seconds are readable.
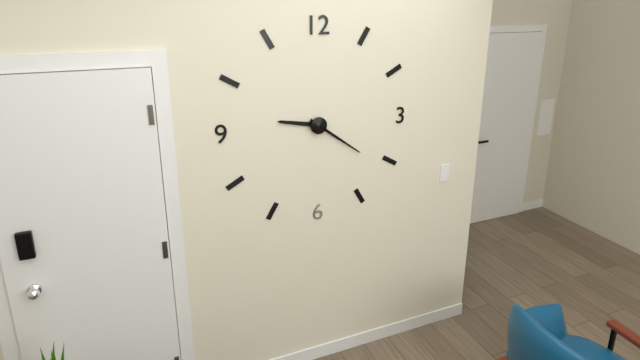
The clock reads **9:21**
